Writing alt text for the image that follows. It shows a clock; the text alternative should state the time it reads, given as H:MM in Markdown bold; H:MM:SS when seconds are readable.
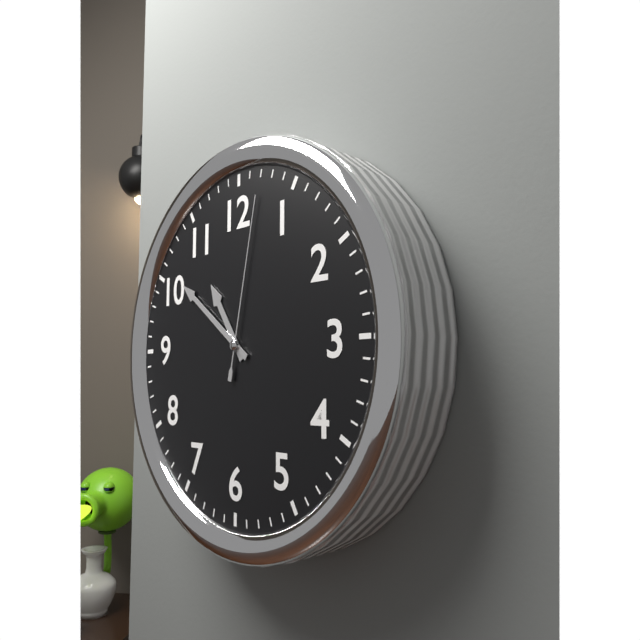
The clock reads **10:51:02**
